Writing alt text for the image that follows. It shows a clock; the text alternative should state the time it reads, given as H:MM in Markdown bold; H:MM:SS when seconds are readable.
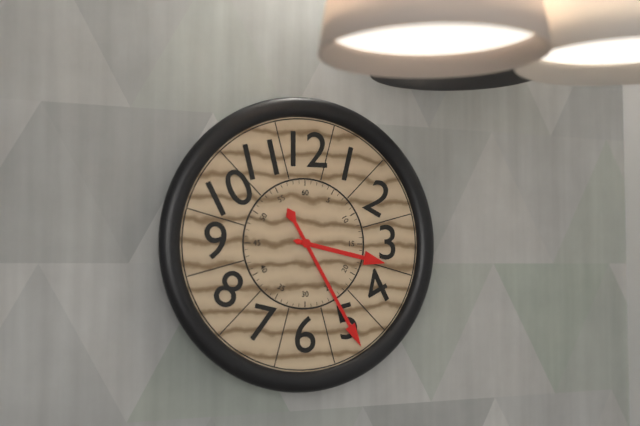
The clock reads **3:25**
